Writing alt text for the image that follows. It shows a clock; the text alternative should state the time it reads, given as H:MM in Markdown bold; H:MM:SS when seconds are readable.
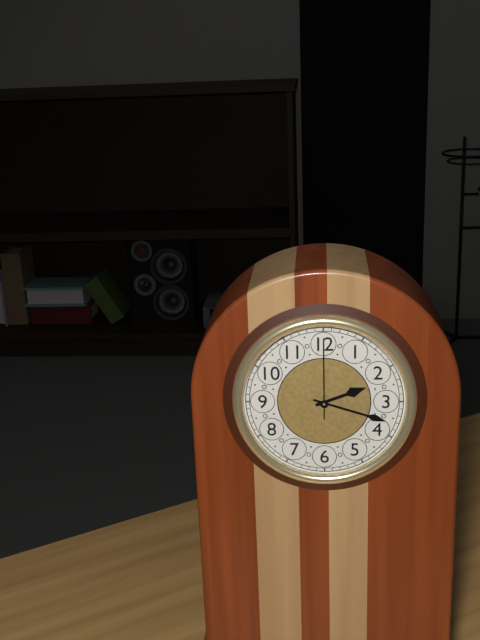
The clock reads **2:18:00**
